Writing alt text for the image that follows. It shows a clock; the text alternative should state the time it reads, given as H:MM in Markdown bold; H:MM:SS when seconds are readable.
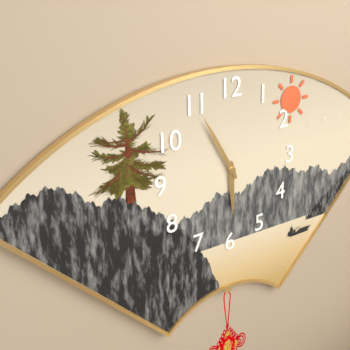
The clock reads **5:55**
